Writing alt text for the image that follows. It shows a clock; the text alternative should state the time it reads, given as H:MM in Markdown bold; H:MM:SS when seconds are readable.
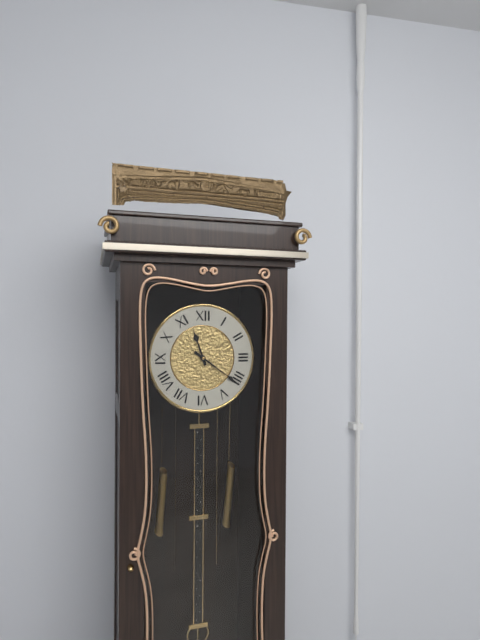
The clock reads **11:21**
